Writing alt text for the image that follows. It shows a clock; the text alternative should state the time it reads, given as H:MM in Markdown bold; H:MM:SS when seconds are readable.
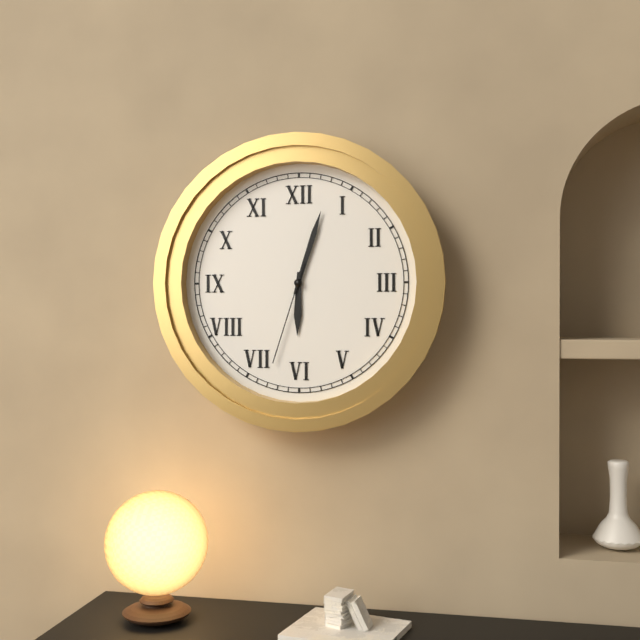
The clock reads **6:03:33**
